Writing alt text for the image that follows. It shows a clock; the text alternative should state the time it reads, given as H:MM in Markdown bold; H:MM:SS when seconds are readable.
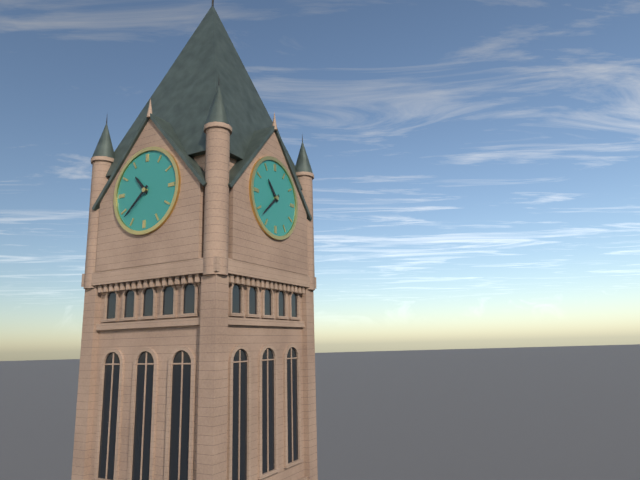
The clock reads **10:38**
